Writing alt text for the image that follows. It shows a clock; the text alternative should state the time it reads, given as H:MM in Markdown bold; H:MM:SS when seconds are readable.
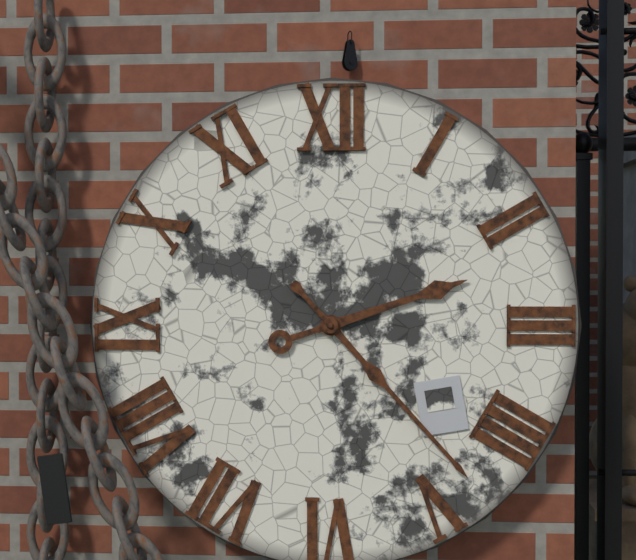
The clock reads **2:23**
